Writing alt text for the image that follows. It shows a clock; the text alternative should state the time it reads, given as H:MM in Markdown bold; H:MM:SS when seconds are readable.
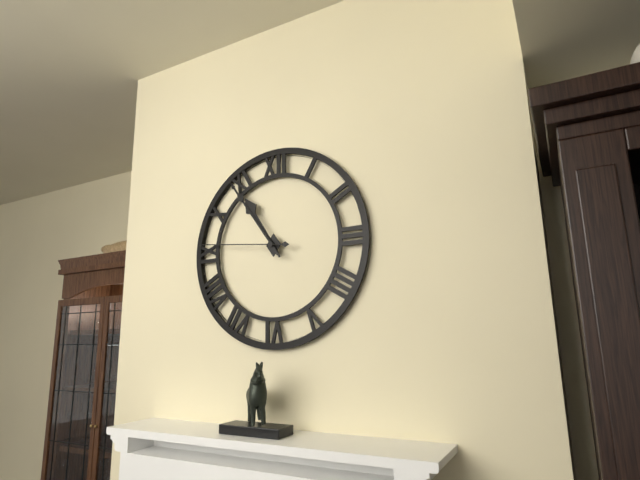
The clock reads **10:54:46**
